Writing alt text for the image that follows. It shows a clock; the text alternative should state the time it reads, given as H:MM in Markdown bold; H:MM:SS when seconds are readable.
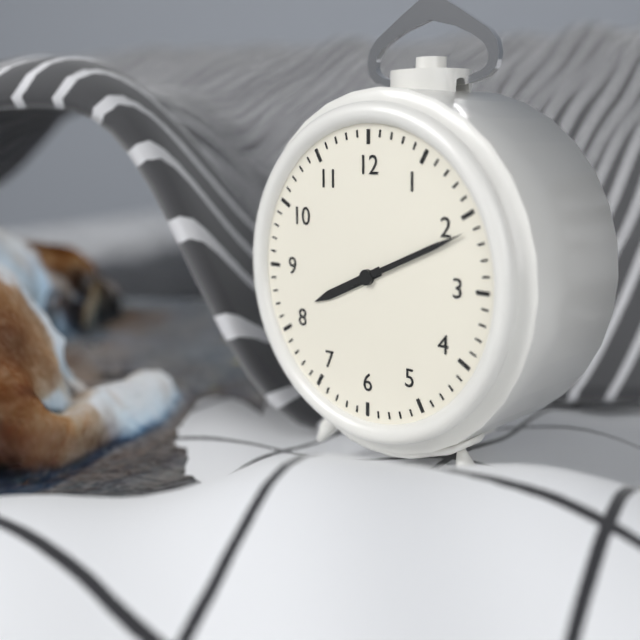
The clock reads **8:11**
